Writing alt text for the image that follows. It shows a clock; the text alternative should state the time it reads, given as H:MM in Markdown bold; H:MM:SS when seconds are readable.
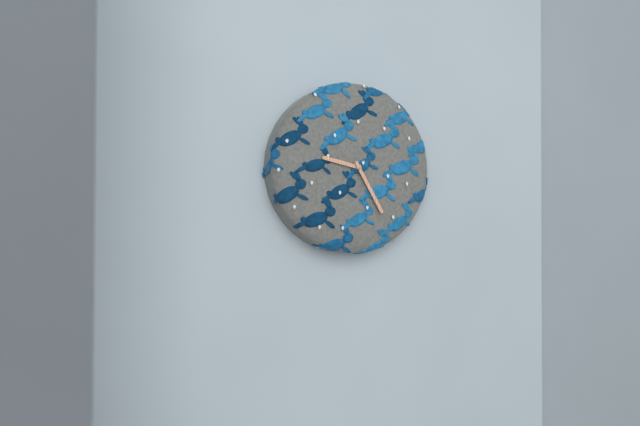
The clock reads **9:25**
